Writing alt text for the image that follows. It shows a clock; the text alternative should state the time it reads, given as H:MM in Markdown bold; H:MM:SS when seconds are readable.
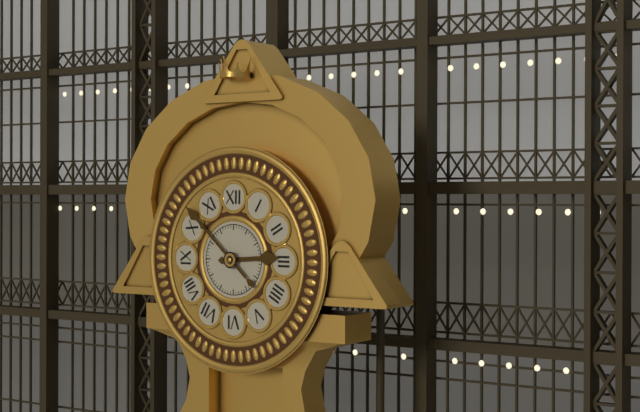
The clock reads **2:52**
